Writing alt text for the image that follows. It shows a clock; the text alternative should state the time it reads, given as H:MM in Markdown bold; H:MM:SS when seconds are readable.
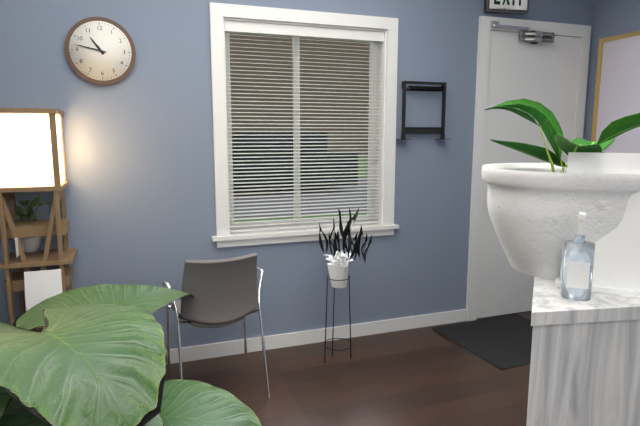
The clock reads **10:47**
